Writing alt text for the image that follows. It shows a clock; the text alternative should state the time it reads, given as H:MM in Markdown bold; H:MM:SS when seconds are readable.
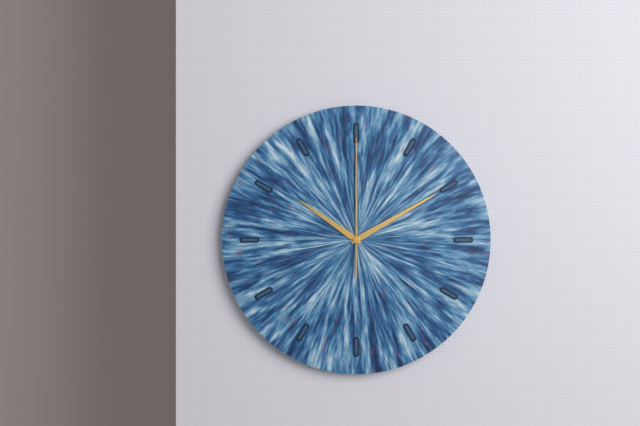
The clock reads **10:10:00**
